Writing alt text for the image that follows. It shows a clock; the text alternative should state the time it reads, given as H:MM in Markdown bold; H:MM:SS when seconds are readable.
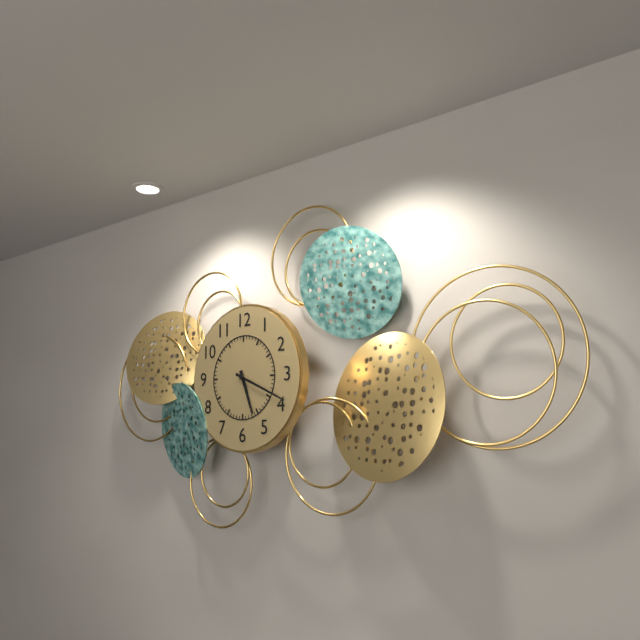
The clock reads **5:19**
